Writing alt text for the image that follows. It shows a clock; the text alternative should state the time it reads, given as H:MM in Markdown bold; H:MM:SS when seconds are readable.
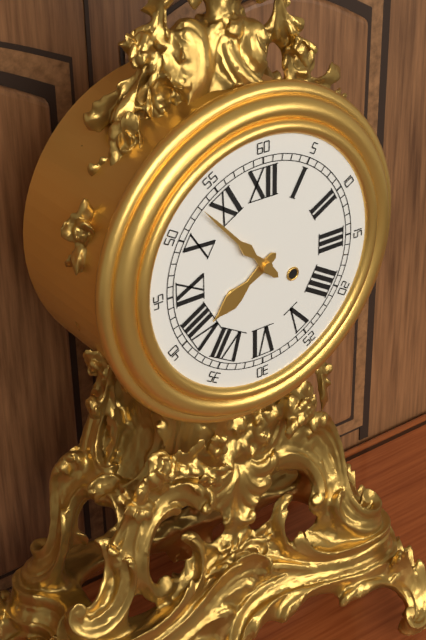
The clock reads **7:53**
